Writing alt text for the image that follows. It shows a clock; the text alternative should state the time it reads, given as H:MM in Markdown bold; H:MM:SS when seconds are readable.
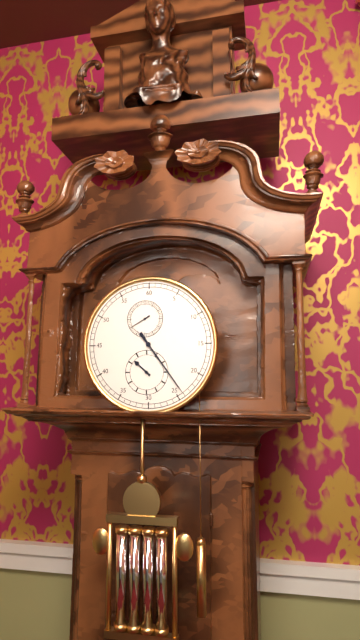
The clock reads **10:24**
